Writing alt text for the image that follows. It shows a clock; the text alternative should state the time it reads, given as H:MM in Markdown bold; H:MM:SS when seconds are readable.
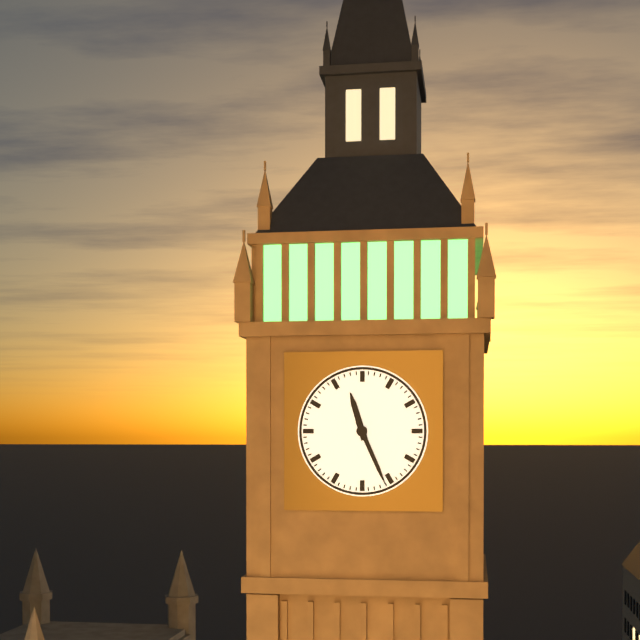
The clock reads **11:26**
